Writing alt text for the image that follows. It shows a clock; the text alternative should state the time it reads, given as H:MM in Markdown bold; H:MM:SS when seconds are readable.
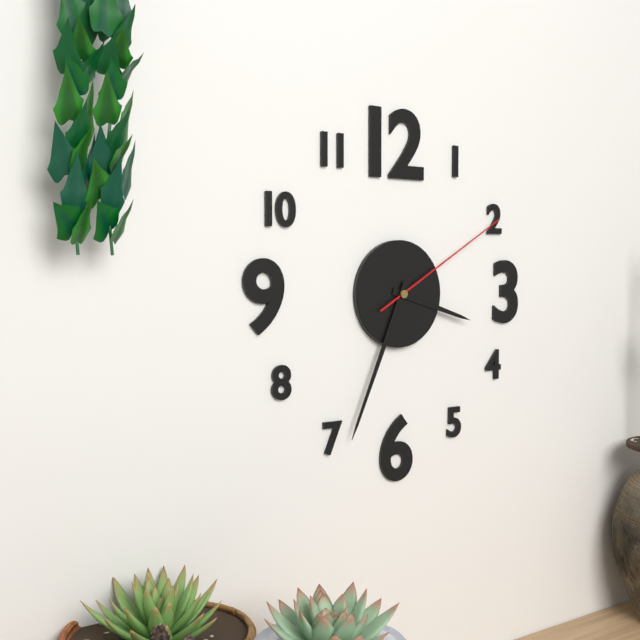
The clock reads **3:34:10**
